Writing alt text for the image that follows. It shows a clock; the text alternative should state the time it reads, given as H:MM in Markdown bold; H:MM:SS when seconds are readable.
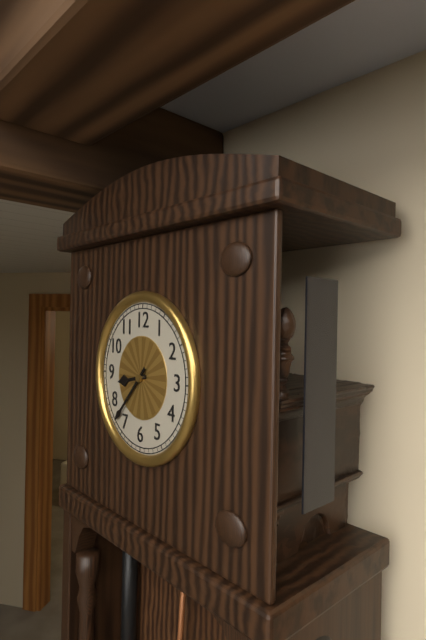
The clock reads **8:37**
